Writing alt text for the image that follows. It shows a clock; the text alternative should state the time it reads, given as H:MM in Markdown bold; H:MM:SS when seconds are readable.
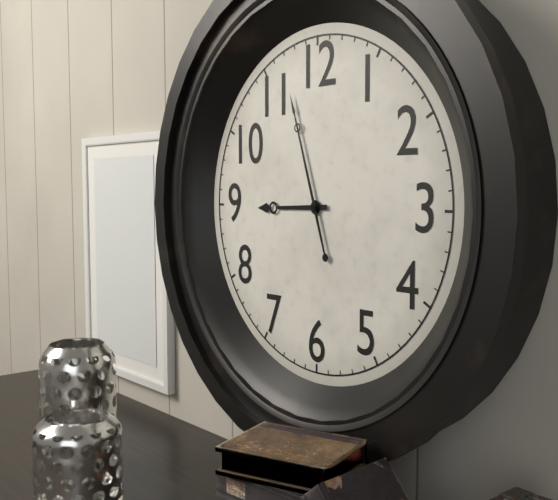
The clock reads **8:57**
